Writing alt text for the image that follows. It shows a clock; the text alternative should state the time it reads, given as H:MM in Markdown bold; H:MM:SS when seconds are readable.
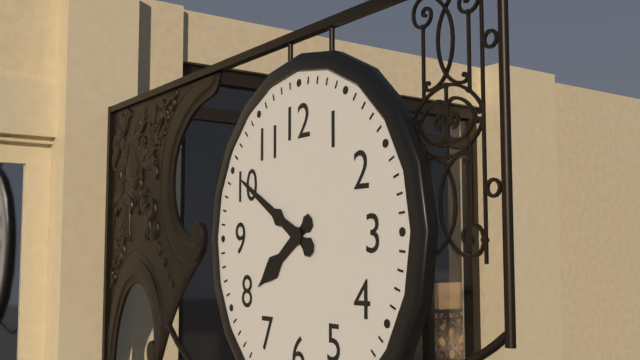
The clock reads **7:50**
